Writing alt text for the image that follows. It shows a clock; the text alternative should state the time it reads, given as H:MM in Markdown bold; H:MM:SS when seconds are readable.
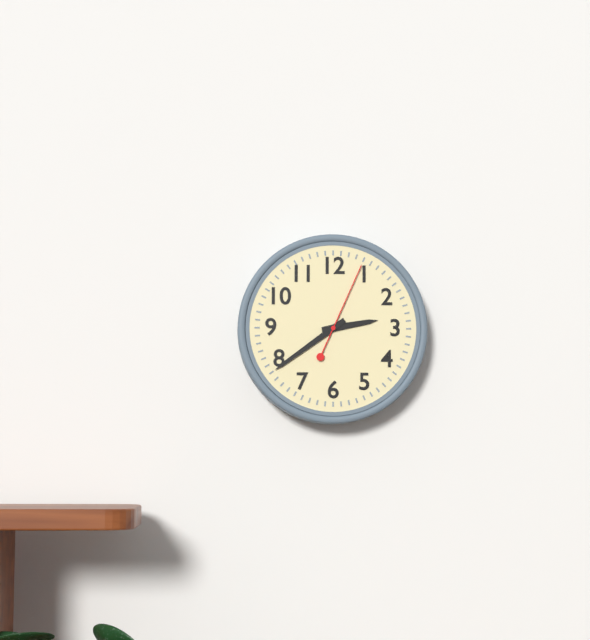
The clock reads **2:39:04**
